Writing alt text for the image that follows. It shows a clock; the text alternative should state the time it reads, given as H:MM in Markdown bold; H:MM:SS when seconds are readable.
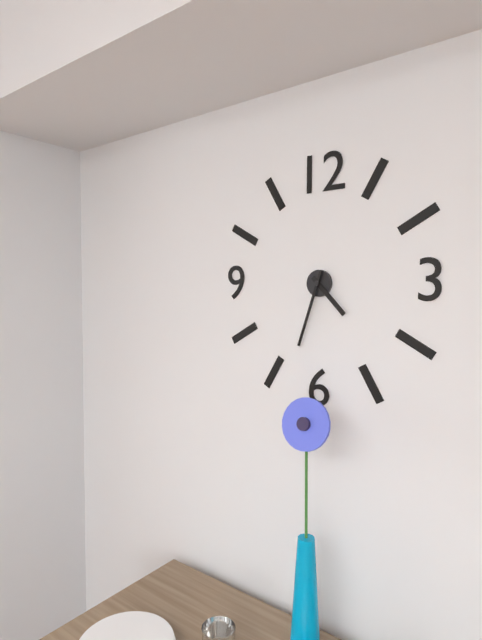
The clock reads **4:33**
